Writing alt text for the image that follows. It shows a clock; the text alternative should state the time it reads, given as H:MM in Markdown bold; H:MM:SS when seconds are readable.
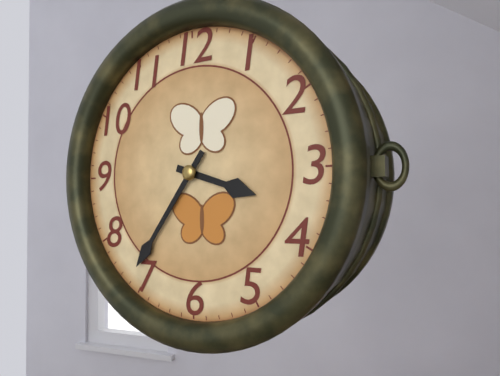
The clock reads **3:36**
